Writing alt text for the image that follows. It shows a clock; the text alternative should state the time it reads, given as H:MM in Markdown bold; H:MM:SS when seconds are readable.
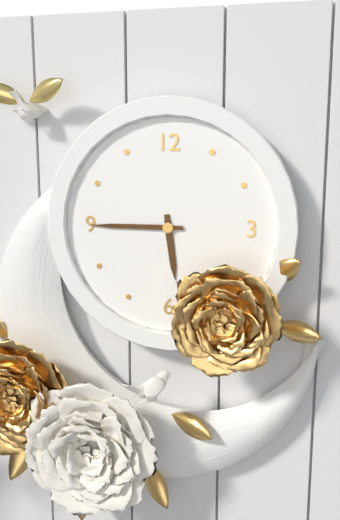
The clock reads **5:45**
